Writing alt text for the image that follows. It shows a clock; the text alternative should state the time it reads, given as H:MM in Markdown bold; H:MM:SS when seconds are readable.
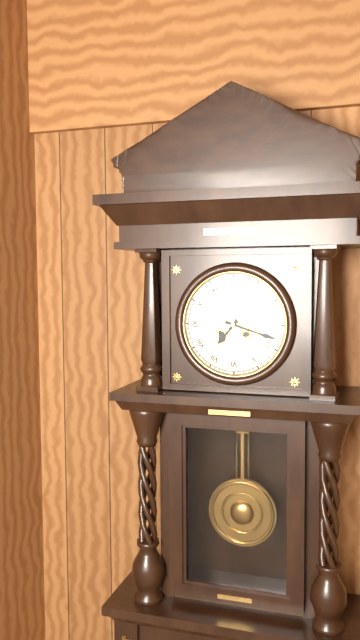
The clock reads **7:18**
